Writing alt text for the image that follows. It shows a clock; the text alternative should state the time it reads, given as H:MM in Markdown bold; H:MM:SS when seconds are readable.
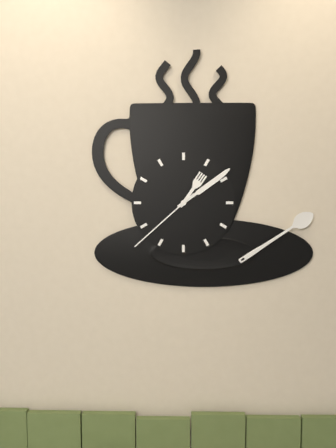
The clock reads **1:09:38**
